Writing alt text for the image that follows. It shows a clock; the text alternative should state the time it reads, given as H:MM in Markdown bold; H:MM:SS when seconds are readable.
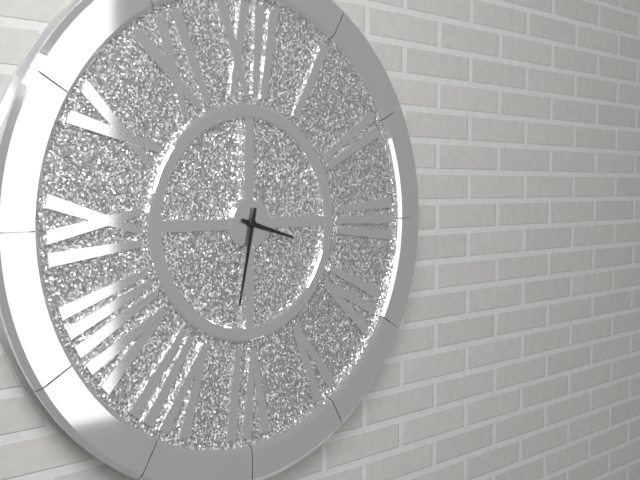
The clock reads **3:32**
